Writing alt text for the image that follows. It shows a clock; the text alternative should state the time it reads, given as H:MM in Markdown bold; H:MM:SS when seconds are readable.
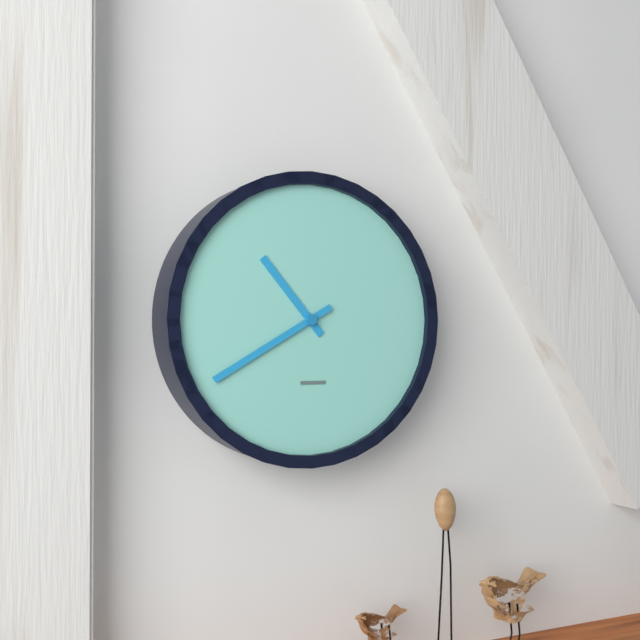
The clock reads **10:40**
